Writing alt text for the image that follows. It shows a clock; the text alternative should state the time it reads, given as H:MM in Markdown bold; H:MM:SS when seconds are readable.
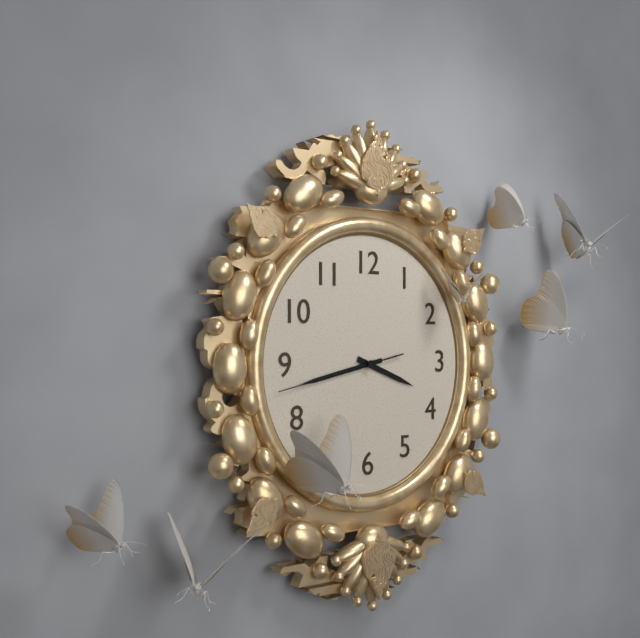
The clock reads **3:43:43**
